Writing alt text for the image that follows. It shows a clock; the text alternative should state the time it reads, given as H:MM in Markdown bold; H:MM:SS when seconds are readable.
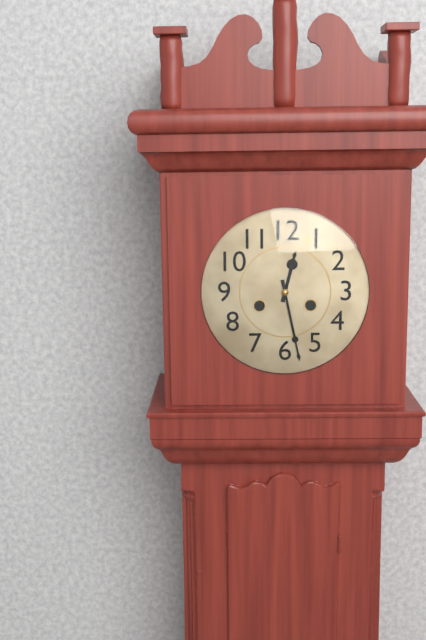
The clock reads **12:28**
